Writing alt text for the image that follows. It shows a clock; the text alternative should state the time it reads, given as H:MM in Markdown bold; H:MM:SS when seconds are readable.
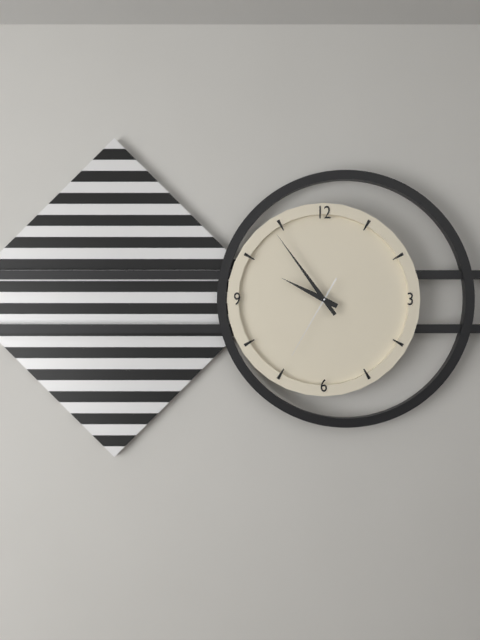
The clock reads **9:54:35**
